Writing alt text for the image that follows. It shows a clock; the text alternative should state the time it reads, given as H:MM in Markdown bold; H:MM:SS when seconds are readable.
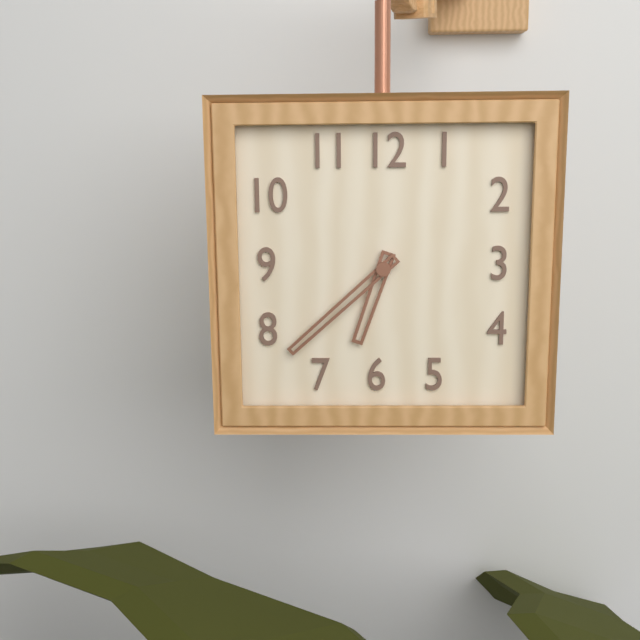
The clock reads **6:38**
